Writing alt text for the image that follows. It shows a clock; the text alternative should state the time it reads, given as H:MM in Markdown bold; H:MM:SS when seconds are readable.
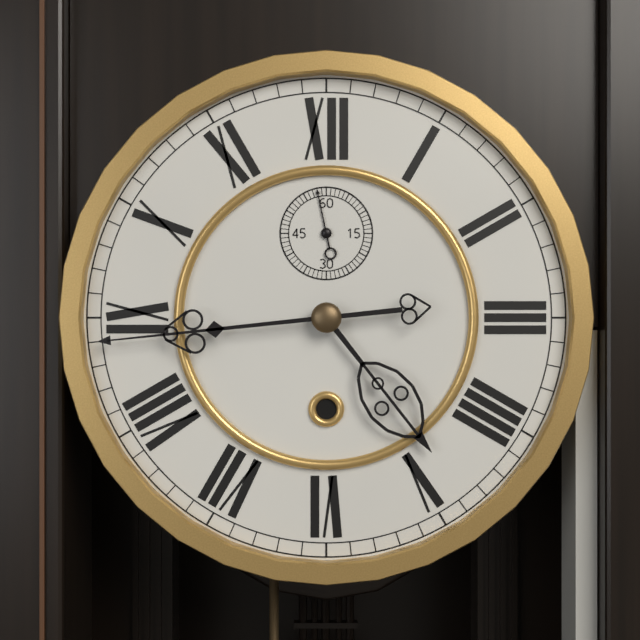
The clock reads **4:44:58**
